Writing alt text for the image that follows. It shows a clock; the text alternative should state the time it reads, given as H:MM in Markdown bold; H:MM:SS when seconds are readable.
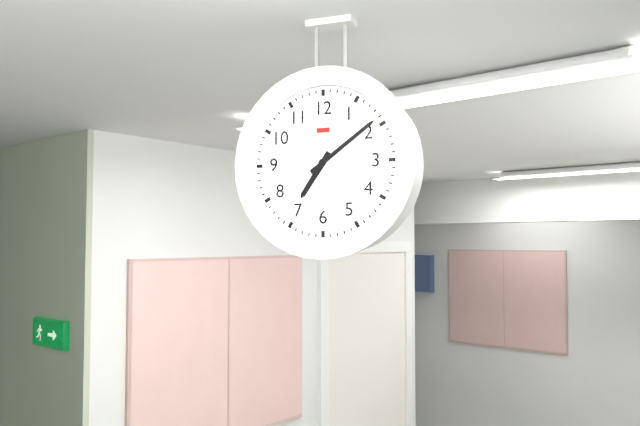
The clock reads **7:09**
